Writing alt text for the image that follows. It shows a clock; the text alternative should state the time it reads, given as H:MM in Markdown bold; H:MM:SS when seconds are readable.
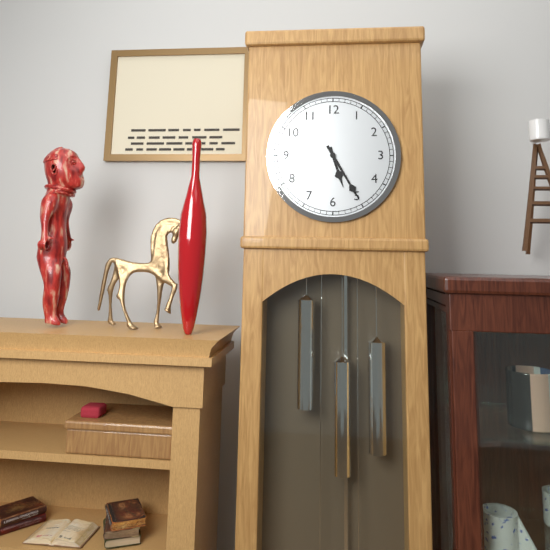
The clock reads **5:25**
